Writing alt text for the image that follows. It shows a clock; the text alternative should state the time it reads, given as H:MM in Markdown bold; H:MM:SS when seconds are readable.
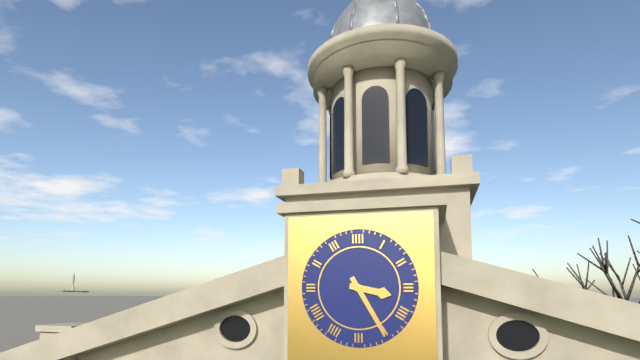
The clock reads **3:25**
